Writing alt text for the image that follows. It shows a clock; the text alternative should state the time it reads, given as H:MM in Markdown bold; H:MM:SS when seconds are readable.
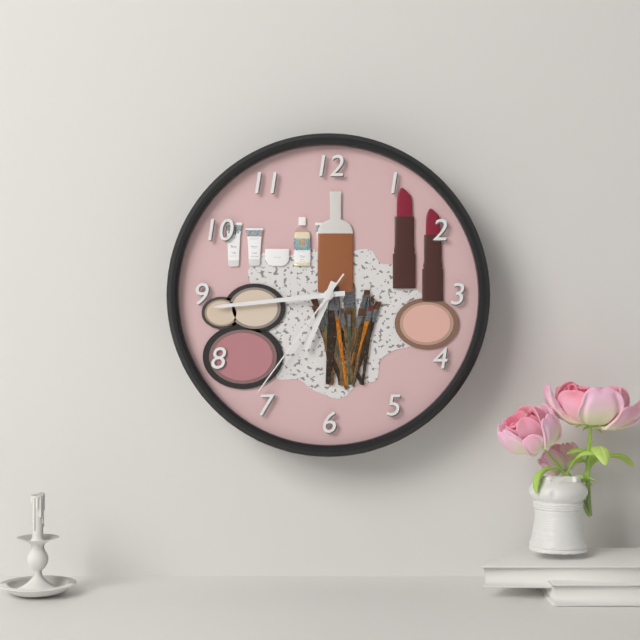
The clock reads **6:44:36**
